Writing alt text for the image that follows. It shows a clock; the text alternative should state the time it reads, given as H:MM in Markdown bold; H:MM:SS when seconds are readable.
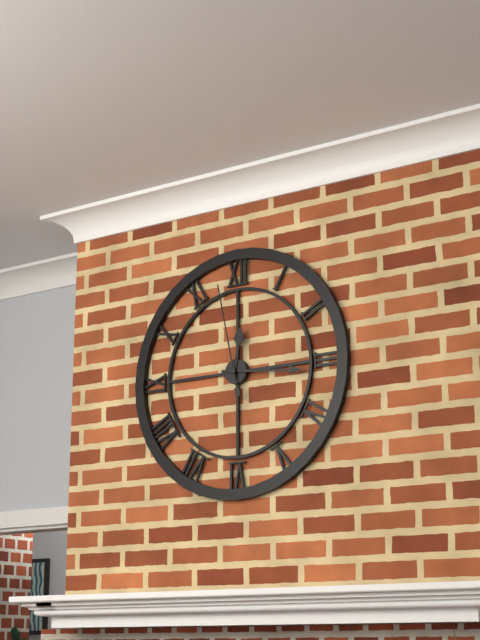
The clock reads **12:16:58**
